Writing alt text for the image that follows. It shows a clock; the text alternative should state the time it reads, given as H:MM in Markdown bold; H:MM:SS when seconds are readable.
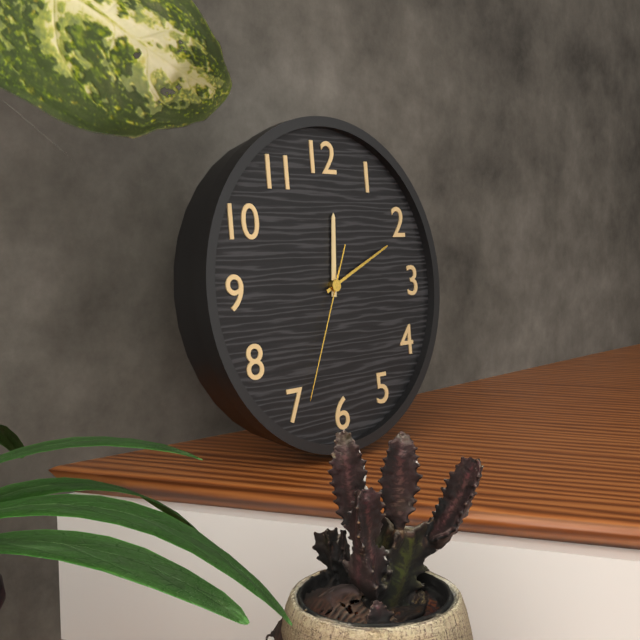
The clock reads **12:11:34**
